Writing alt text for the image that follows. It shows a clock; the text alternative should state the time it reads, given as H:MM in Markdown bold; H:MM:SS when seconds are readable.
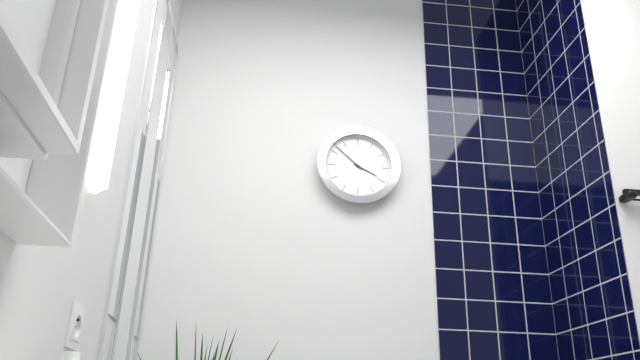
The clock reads **3:52**
